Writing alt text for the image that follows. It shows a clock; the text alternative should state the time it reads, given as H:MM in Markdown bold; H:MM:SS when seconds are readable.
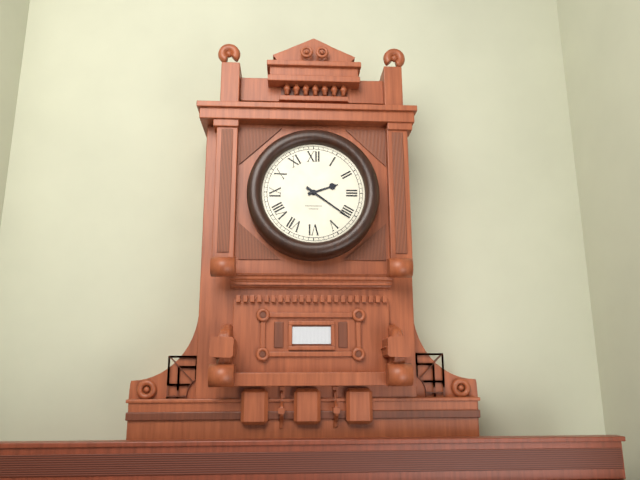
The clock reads **2:21**
